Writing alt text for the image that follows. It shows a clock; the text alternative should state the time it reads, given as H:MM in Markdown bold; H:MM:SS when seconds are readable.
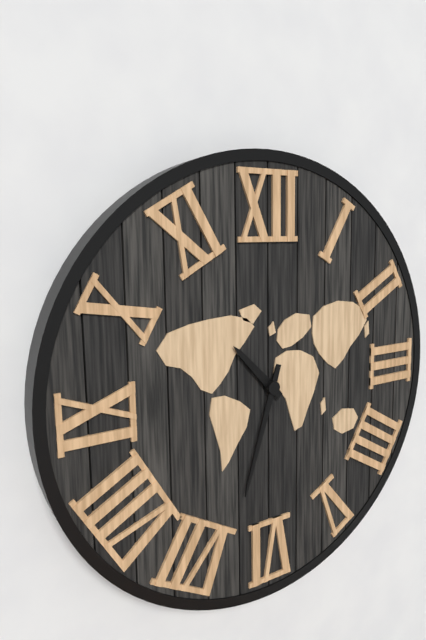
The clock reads **10:33**
